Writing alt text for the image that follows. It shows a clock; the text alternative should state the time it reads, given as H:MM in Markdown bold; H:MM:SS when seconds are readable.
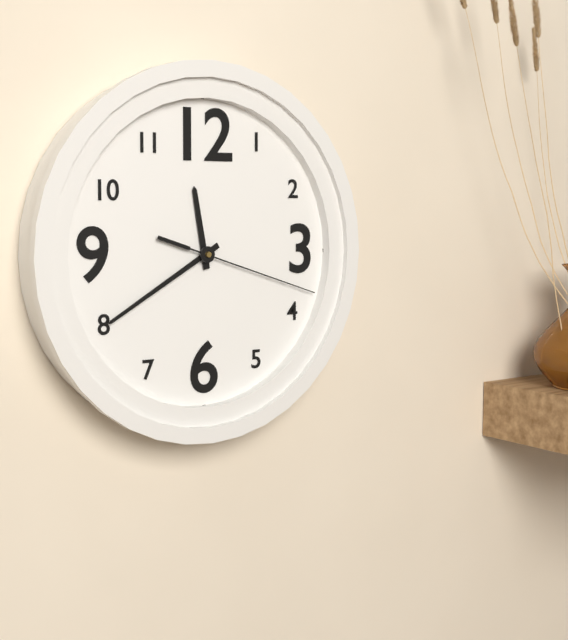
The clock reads **11:40:18**
